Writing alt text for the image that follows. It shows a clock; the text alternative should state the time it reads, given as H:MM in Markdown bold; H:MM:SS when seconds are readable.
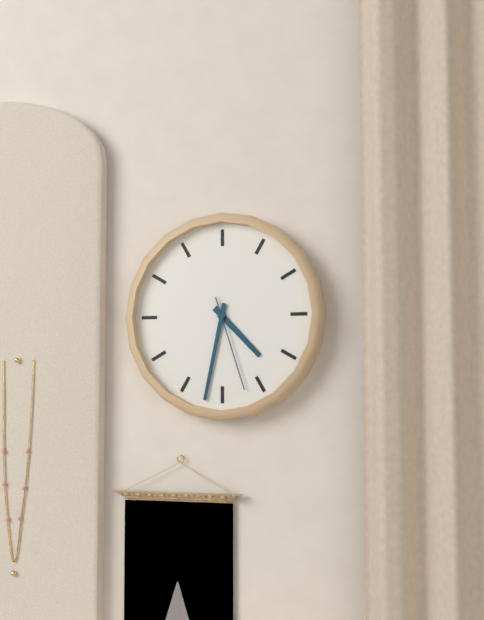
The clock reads **4:32:27**
